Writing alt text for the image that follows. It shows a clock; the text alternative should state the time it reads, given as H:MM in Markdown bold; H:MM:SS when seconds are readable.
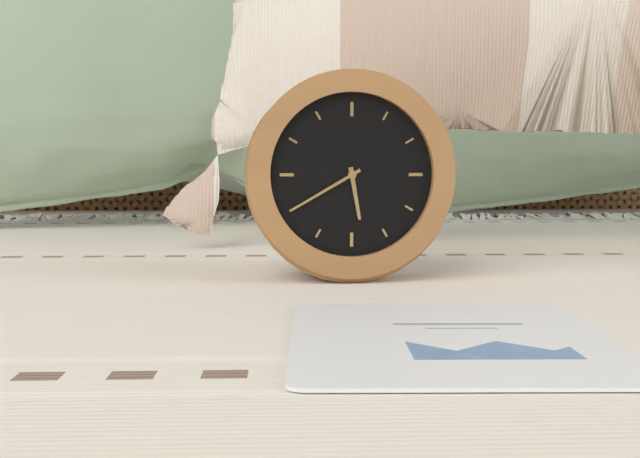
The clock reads **5:40**
